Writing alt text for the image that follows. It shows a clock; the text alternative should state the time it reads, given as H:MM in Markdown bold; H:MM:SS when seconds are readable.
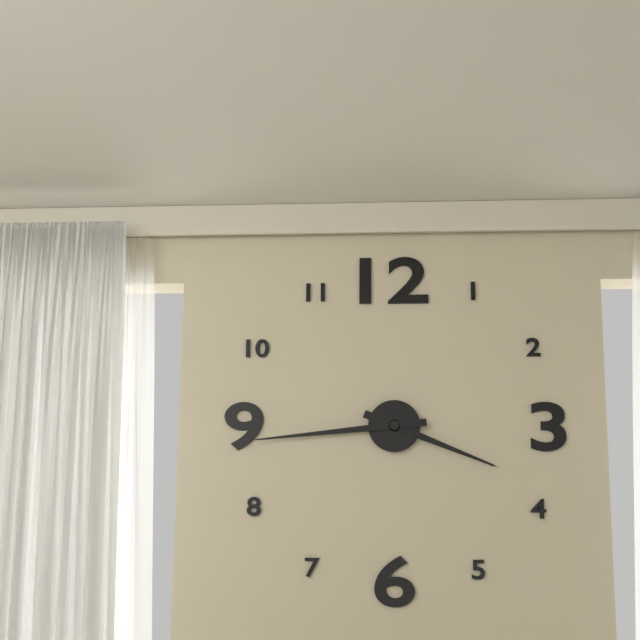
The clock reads **3:44**
